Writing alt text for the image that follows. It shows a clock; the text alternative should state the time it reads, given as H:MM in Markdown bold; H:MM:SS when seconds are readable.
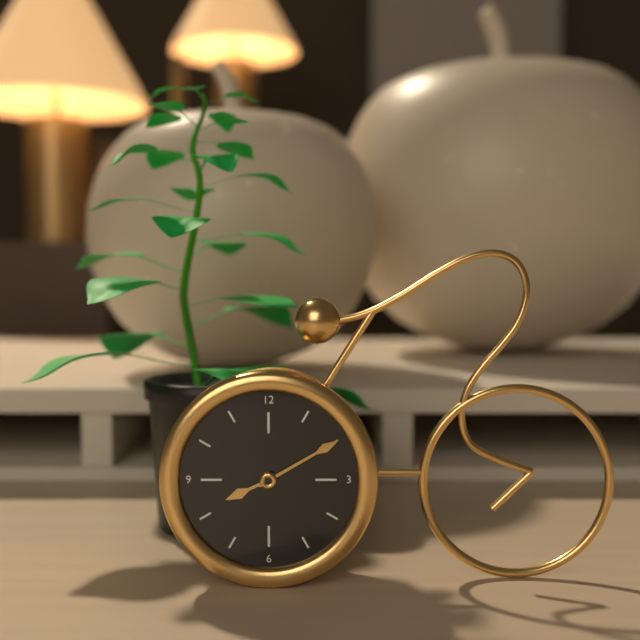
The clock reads **8:10**
